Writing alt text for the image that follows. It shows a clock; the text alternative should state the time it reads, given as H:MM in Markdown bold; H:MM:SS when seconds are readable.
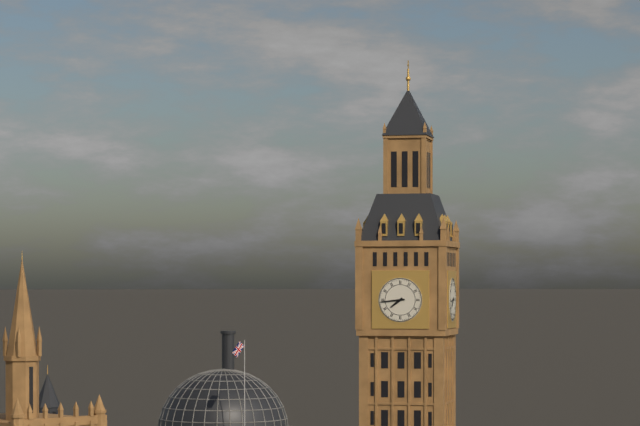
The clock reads **7:44**
